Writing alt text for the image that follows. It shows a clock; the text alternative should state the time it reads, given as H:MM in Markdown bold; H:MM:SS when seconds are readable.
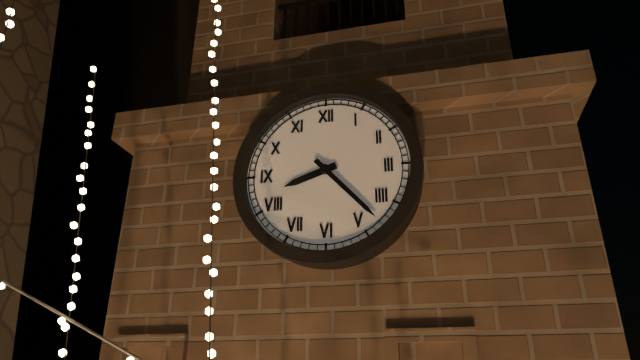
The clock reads **8:23**
